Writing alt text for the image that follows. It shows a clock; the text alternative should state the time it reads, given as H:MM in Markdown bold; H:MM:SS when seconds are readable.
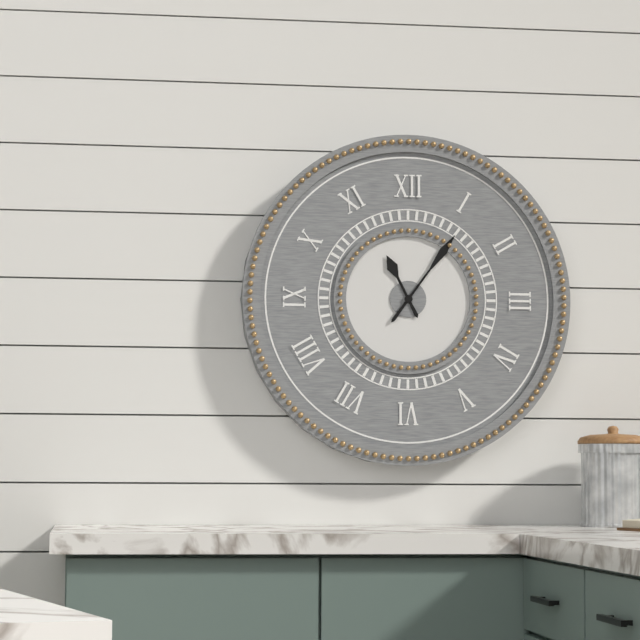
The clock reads **11:06**
